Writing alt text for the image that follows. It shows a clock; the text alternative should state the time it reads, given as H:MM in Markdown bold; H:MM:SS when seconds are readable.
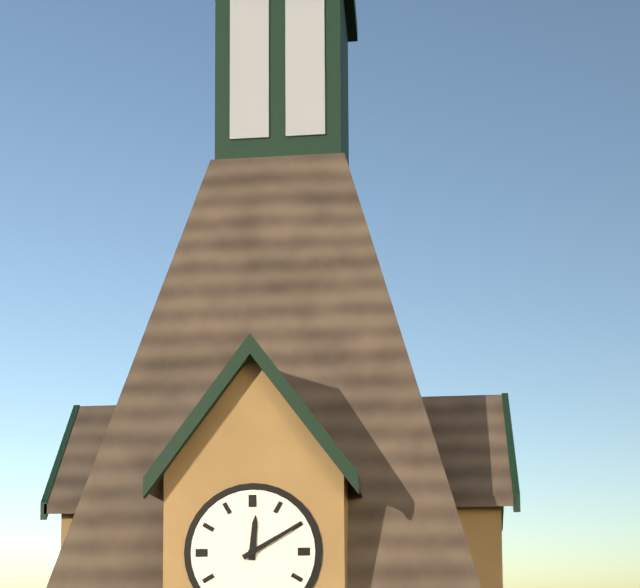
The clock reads **12:10**
